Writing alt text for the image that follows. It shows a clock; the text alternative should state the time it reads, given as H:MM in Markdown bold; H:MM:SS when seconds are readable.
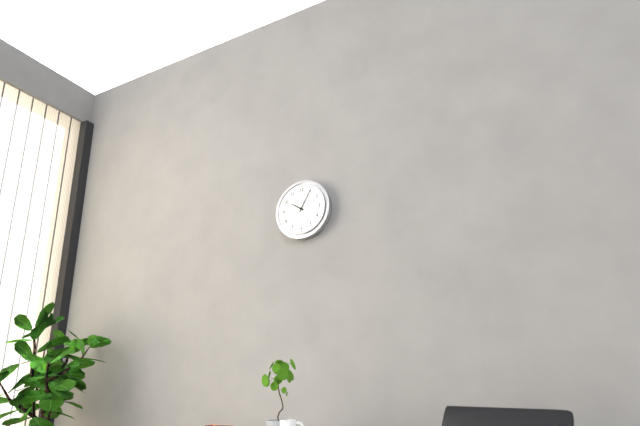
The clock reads **10:05**
